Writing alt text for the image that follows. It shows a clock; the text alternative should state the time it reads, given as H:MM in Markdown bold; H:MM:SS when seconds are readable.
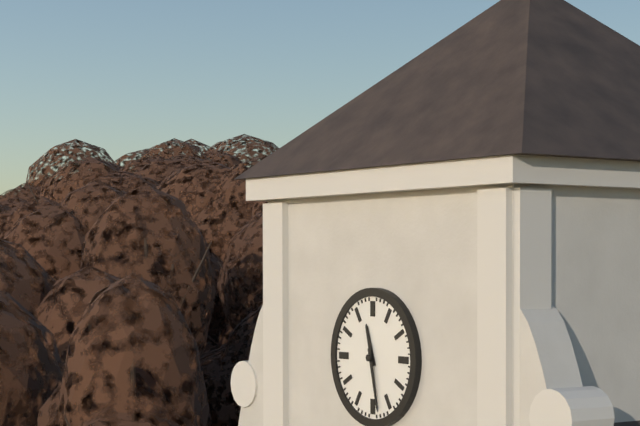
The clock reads **11:28**
